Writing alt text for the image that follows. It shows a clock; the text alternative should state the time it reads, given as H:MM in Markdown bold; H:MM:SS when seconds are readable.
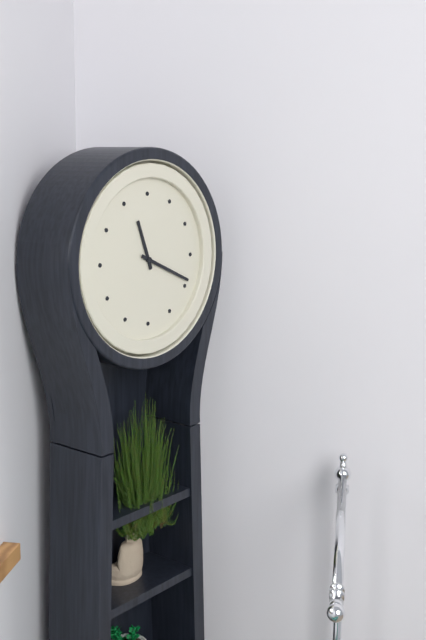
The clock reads **11:19**
